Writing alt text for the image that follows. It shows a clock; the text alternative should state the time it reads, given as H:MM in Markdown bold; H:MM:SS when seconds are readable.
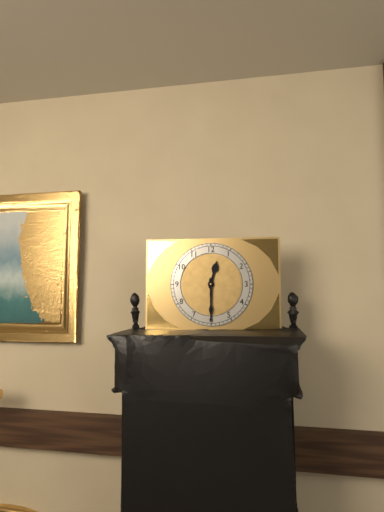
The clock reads **12:30**
